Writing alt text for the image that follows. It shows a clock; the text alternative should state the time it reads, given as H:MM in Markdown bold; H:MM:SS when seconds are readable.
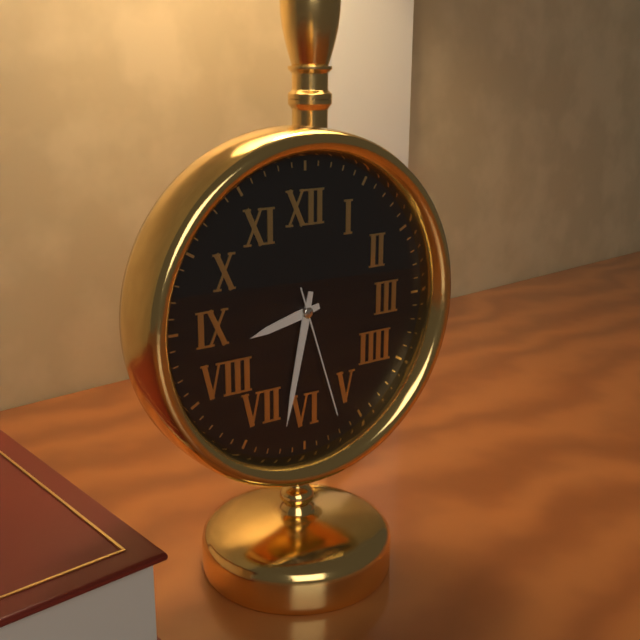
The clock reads **8:32:27**
